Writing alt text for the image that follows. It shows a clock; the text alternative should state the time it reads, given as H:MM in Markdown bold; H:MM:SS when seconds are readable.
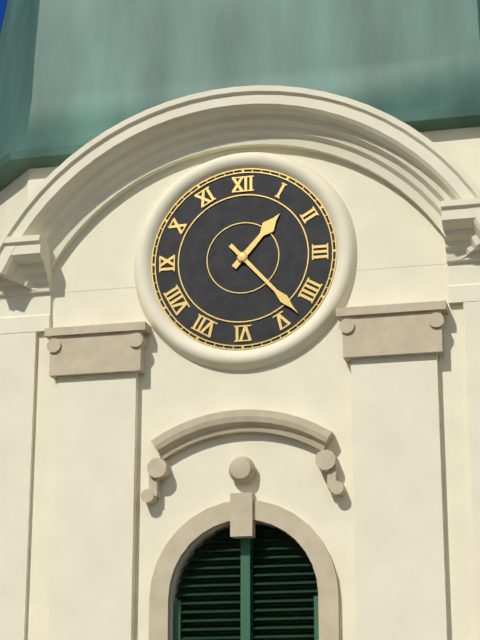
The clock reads **1:23**
